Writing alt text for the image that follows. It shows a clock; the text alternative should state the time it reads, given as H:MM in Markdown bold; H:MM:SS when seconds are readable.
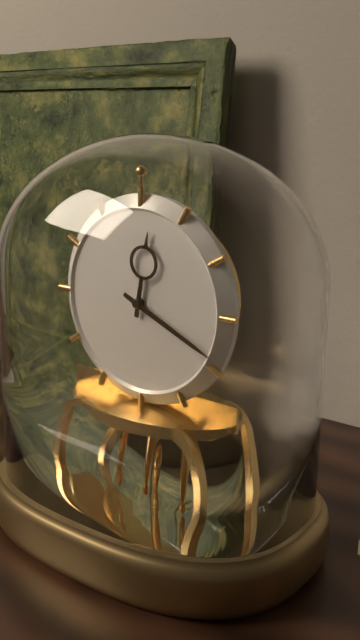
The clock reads **12:19**
